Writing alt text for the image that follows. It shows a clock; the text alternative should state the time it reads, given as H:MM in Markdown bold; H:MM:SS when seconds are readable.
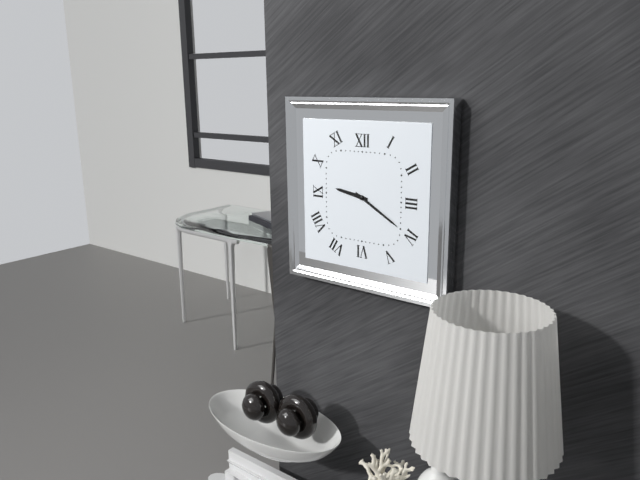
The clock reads **9:20**
